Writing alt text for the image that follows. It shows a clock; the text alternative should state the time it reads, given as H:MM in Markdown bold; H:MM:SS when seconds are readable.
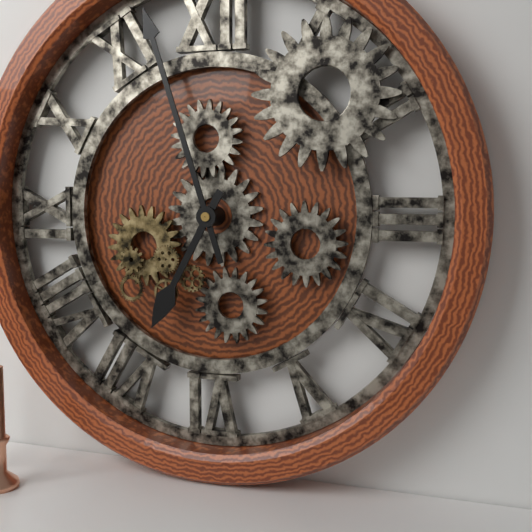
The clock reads **6:57**
